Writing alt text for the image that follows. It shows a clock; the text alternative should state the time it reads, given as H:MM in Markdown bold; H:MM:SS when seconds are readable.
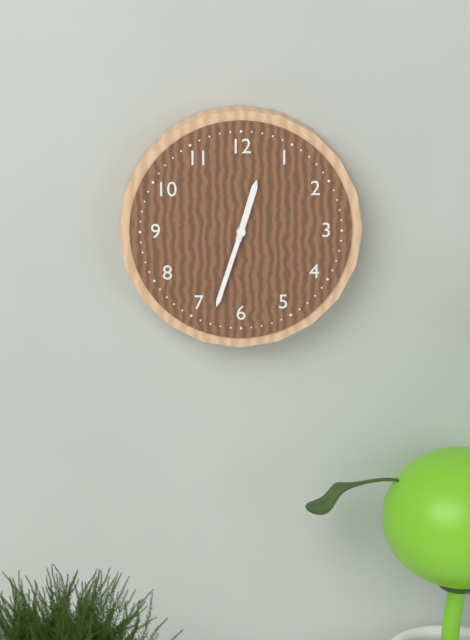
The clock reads **12:33**
